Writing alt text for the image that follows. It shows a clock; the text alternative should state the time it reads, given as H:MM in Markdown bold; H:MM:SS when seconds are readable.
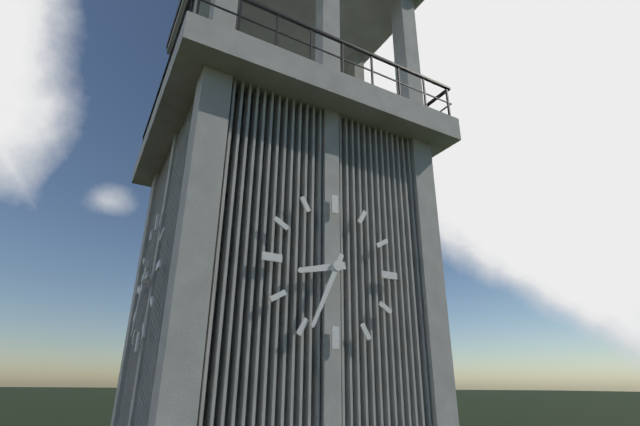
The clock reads **8:34**
